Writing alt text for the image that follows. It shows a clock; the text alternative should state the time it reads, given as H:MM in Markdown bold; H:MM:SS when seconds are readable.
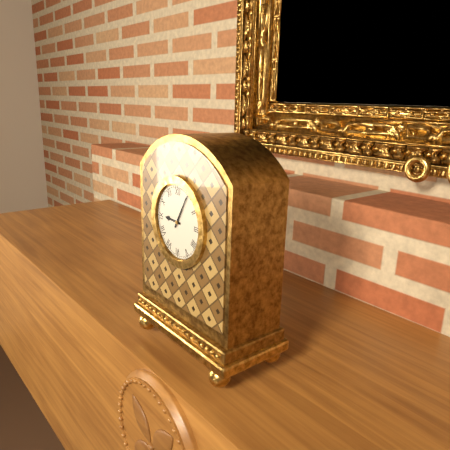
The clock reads **9:05**
